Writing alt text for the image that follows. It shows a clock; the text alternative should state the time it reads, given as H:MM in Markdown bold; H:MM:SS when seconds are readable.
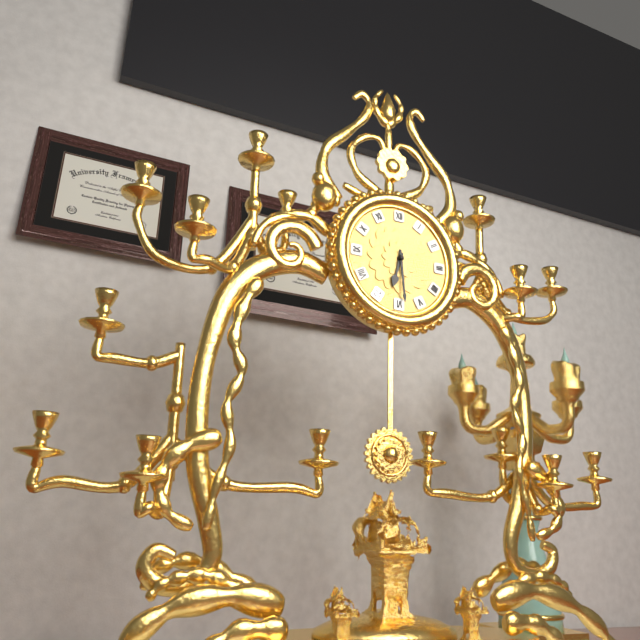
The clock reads **6:29**
